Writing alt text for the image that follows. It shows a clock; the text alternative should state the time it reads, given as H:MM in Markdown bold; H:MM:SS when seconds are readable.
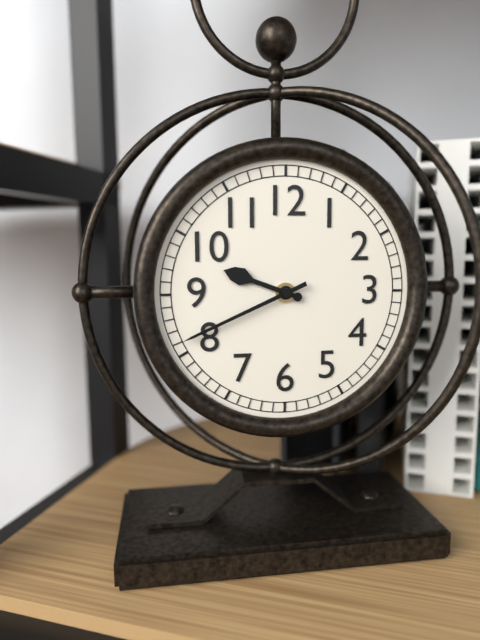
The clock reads **9:41**
